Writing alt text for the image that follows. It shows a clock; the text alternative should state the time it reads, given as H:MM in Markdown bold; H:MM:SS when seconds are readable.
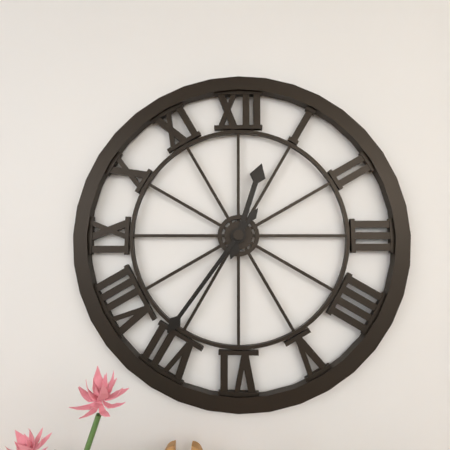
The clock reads **12:36**
